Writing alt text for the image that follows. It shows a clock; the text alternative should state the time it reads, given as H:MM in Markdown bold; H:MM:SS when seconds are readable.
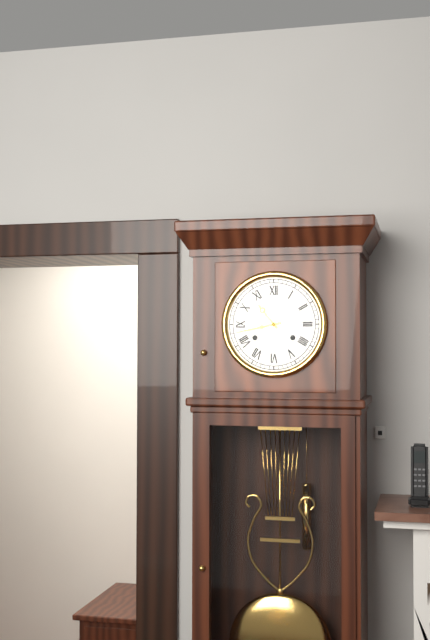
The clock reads **10:43**
